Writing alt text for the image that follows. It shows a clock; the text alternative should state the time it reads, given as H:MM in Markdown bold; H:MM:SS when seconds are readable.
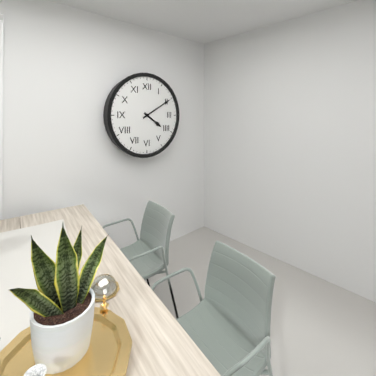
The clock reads **4:10**
